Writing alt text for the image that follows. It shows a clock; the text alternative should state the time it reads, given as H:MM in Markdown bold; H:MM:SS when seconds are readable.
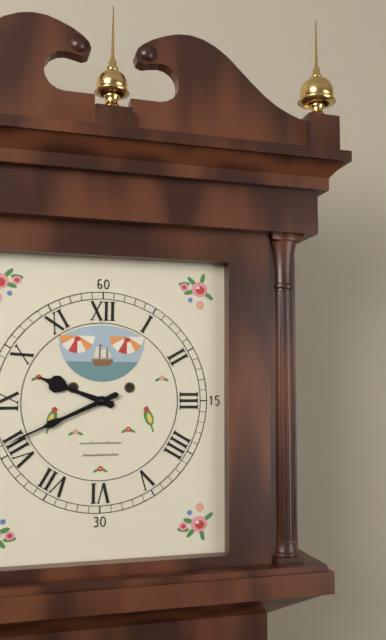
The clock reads **9:41**
